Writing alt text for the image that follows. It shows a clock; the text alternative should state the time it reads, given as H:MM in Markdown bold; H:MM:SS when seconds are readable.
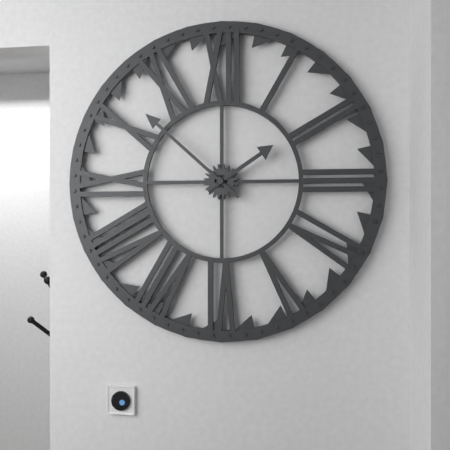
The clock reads **1:52**
